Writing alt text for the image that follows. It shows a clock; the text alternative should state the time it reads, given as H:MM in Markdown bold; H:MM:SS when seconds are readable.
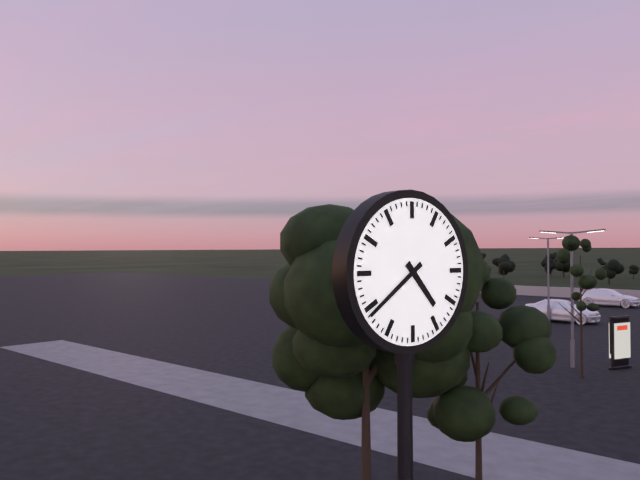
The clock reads **4:39**
